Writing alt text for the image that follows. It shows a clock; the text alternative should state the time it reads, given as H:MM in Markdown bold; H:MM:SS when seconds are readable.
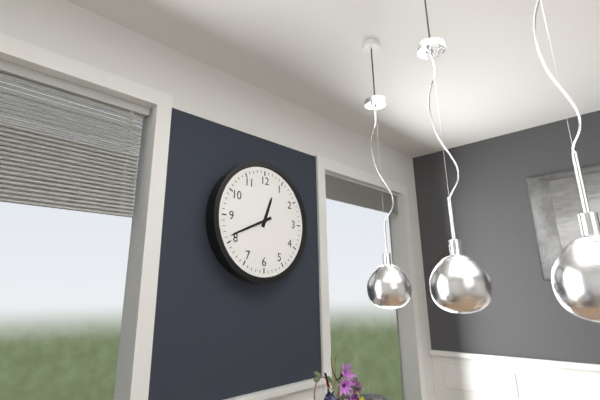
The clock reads **12:41**
